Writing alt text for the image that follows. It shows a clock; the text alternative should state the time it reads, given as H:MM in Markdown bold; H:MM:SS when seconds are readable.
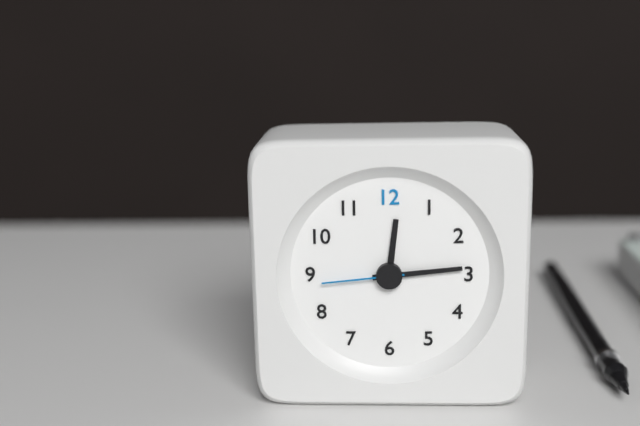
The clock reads **12:14:44**
